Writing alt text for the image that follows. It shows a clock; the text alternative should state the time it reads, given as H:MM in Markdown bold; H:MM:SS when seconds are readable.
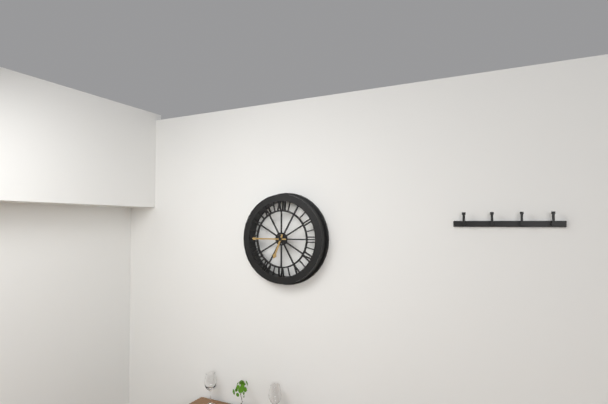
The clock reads **6:45**
